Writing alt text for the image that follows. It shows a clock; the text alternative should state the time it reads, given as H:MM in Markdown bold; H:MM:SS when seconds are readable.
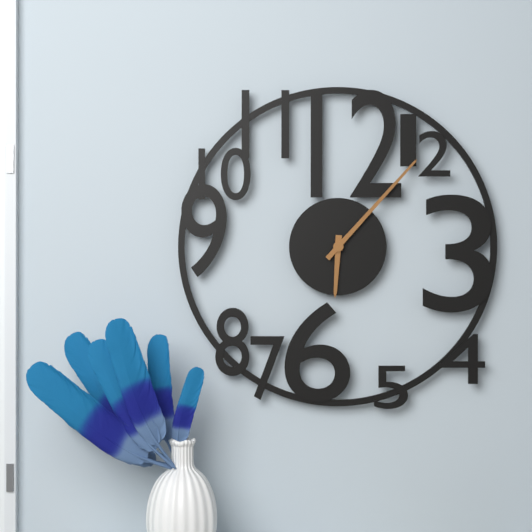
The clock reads **6:07**
